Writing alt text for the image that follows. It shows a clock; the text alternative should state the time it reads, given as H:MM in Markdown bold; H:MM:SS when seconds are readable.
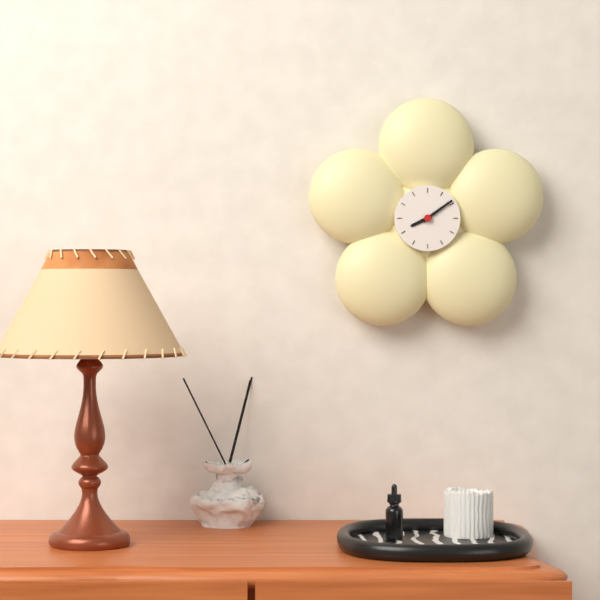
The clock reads **8:09**
